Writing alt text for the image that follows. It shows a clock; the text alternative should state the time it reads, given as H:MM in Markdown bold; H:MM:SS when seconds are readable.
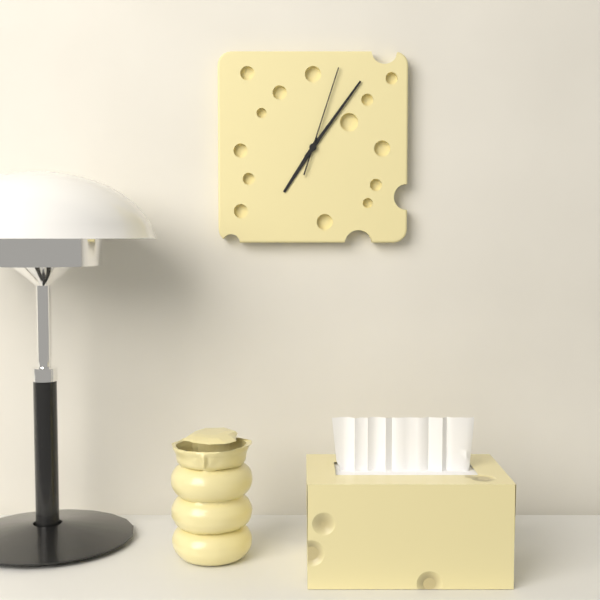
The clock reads **7:06:03**
